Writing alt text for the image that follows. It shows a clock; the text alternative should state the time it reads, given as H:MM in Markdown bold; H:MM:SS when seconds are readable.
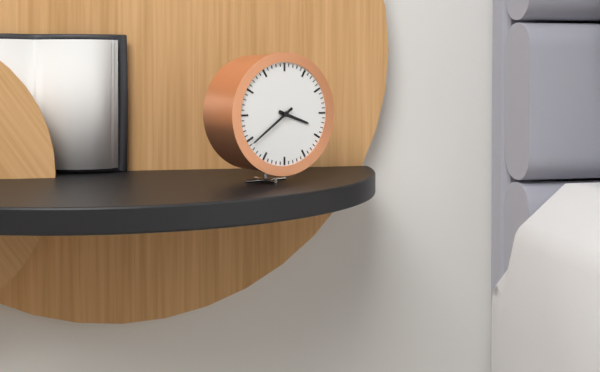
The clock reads **3:39**
